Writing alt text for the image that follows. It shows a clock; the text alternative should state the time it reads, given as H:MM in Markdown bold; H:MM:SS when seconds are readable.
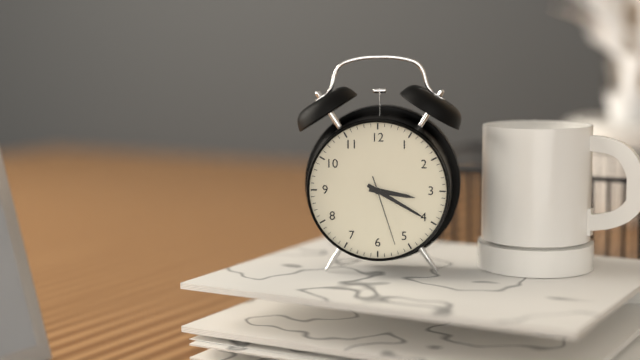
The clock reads **3:20:27**
